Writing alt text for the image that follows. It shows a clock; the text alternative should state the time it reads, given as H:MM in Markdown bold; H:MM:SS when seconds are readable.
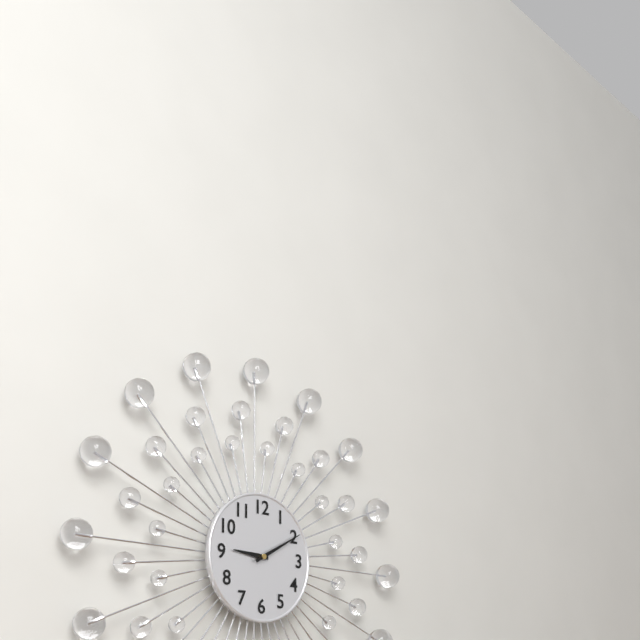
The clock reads **9:10**
